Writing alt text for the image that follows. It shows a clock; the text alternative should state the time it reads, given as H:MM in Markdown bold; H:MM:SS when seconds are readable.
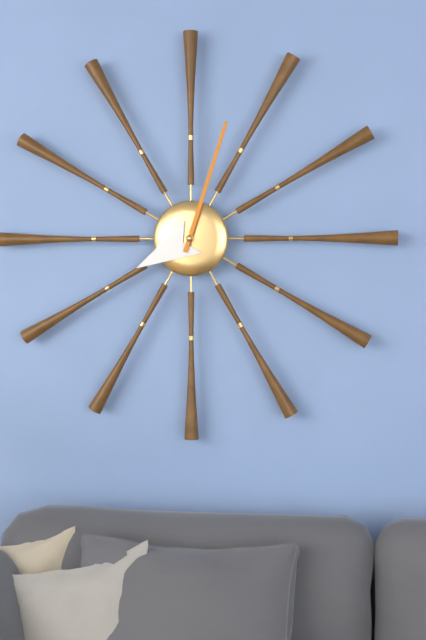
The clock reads **8:03**
